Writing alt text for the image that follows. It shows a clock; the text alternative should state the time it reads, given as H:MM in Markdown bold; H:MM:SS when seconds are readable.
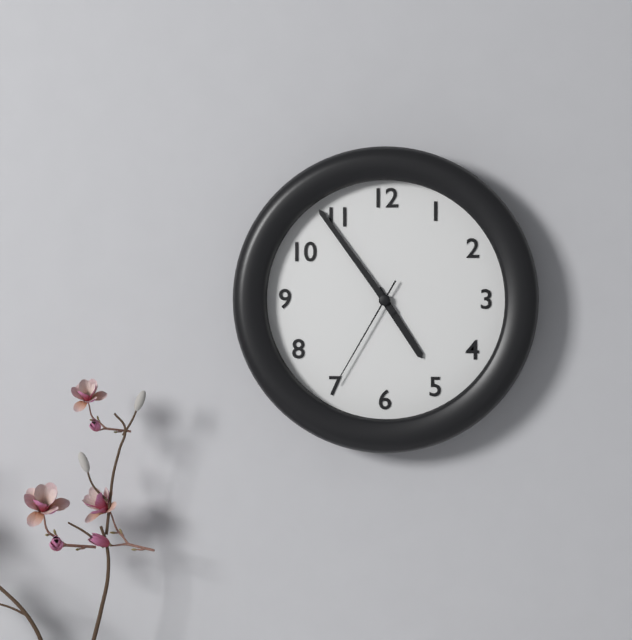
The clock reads **4:54:35**
